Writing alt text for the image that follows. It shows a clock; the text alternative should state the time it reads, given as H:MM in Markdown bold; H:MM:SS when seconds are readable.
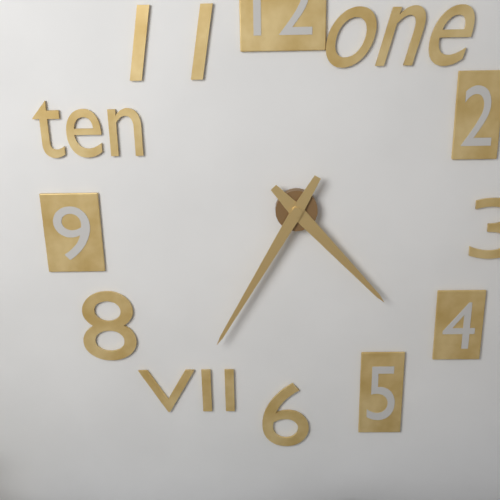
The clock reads **4:35**
